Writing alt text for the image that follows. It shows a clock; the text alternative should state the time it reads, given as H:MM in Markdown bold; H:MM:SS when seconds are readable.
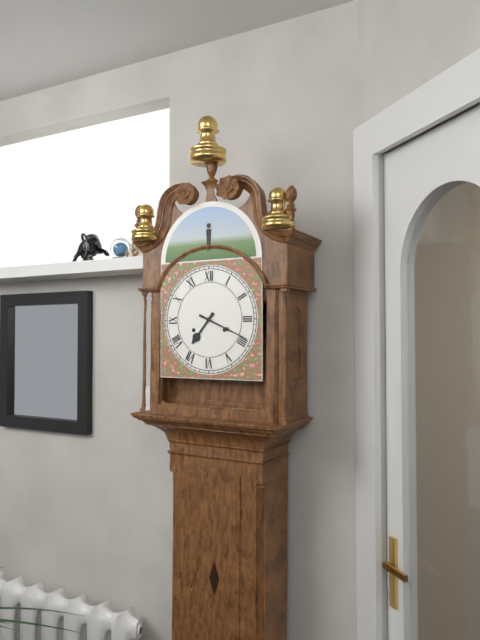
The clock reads **7:19**
